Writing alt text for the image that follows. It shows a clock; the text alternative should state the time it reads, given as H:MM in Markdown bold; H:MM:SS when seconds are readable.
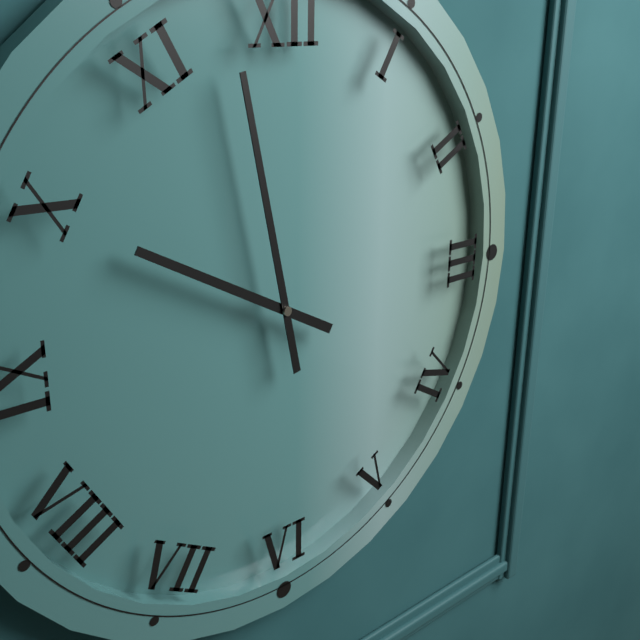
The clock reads **9:58**
